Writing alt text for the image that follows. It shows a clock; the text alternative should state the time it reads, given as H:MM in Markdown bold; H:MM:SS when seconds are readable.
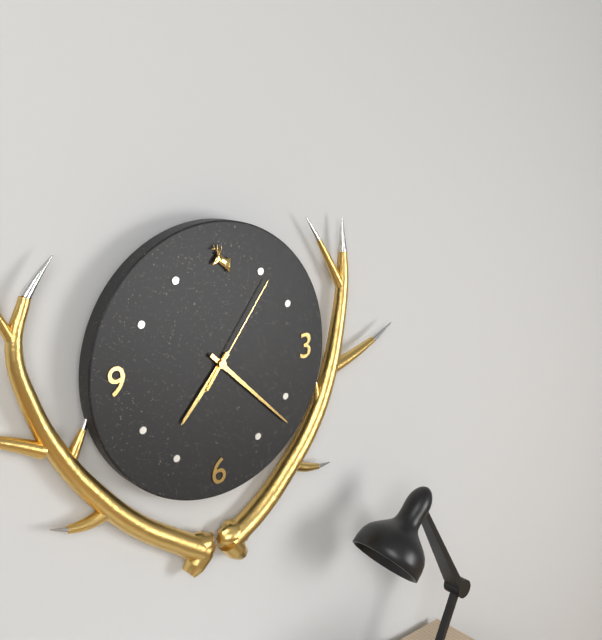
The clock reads **7:22:06**
